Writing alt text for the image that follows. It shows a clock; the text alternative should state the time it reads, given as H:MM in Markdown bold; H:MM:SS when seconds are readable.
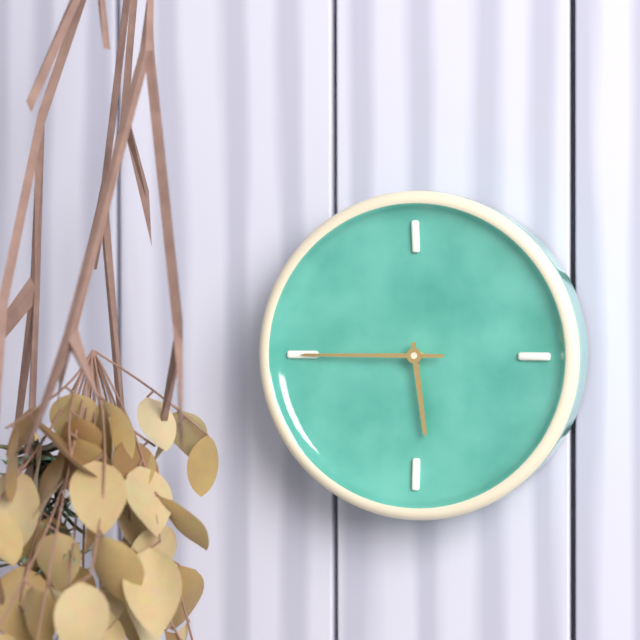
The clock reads **5:45**
